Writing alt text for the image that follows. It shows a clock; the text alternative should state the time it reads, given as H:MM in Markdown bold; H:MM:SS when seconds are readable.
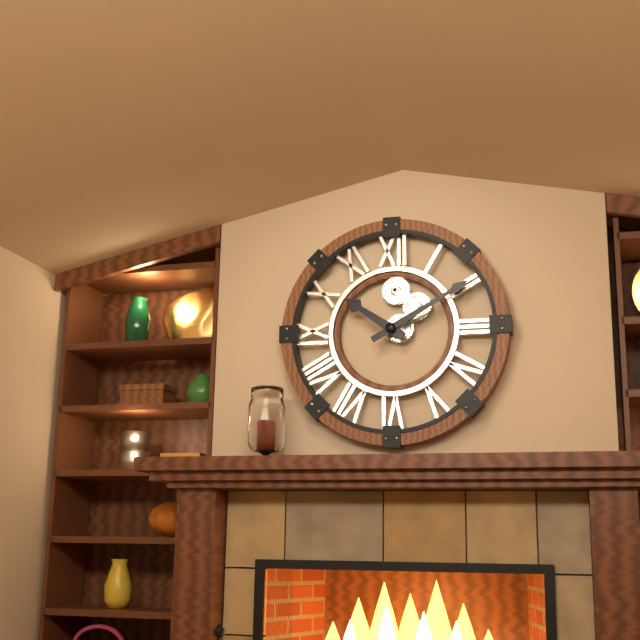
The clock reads **10:10**
